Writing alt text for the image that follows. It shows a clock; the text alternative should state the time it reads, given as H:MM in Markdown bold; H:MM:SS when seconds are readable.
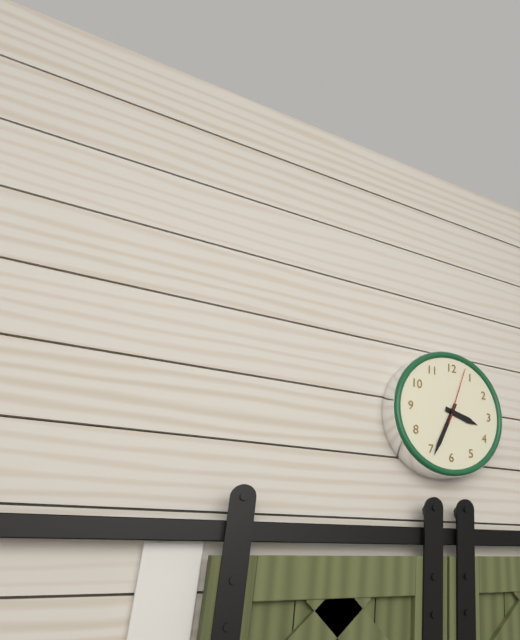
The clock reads **3:34:03**
